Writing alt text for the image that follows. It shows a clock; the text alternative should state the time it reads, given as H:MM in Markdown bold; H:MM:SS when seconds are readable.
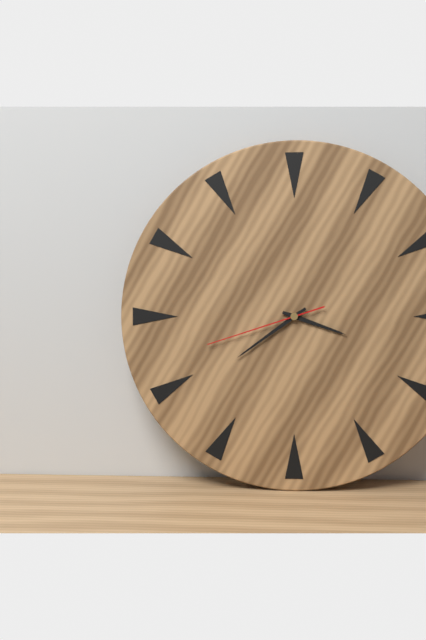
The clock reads **3:39:42**
